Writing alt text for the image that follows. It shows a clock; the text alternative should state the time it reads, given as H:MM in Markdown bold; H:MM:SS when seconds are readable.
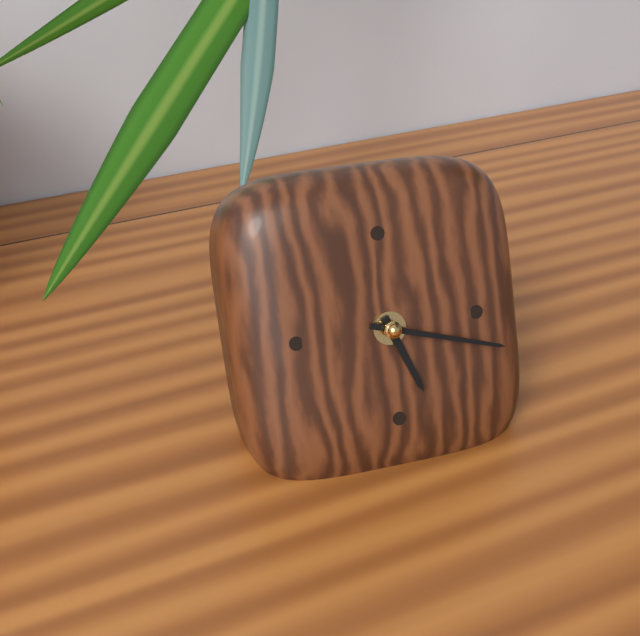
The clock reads **5:18**
